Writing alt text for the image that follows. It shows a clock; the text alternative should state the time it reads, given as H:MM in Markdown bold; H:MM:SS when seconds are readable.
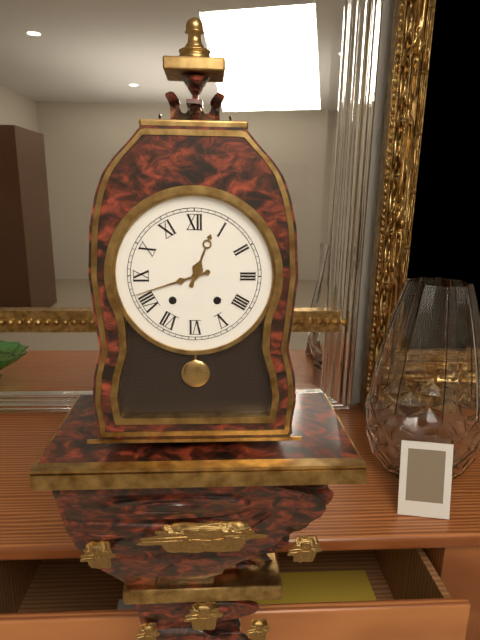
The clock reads **12:42**
